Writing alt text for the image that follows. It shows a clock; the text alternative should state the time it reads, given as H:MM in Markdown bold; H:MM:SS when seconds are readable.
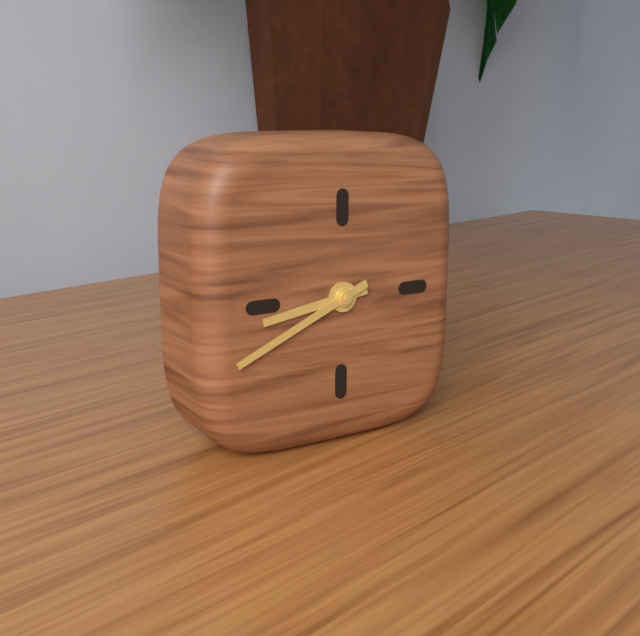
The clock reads **8:41**
